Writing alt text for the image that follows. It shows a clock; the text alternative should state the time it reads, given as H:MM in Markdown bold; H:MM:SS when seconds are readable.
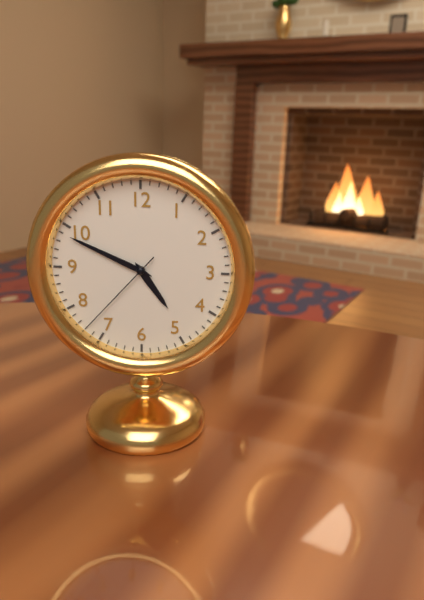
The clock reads **4:49:37**
